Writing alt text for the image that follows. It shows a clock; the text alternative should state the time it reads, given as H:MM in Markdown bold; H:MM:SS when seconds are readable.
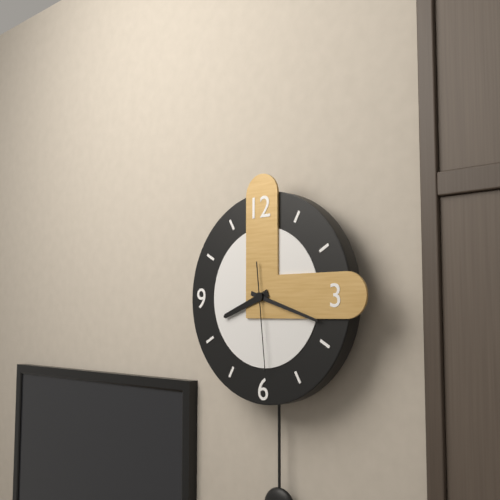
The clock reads **8:18:29**
